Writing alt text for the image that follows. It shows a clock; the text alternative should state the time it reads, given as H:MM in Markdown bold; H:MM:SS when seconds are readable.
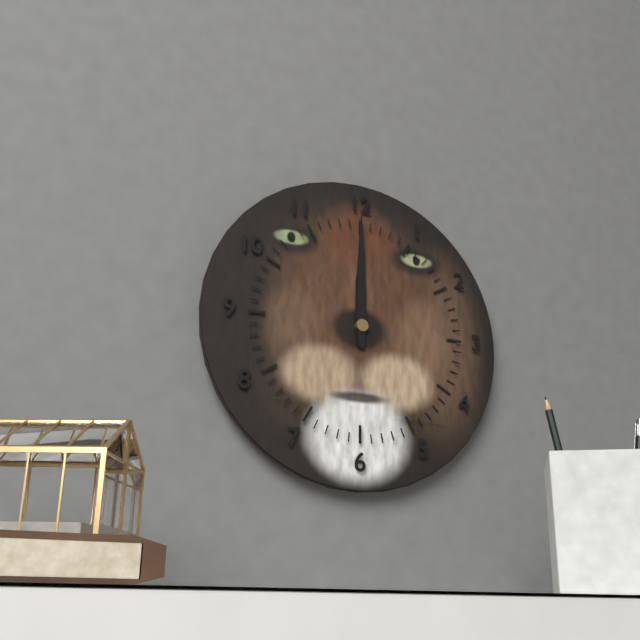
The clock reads **12:00**
